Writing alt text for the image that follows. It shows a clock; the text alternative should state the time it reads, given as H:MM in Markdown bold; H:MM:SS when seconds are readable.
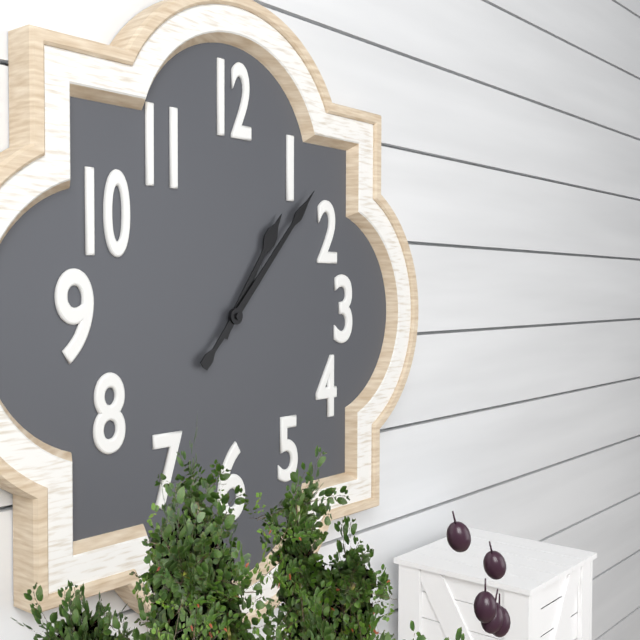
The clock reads **1:07**
